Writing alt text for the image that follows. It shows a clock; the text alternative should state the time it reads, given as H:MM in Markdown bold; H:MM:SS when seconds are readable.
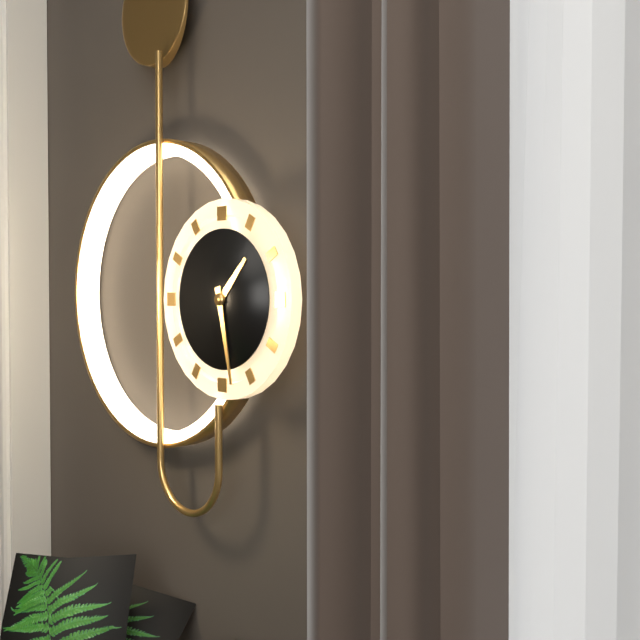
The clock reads **1:28**
